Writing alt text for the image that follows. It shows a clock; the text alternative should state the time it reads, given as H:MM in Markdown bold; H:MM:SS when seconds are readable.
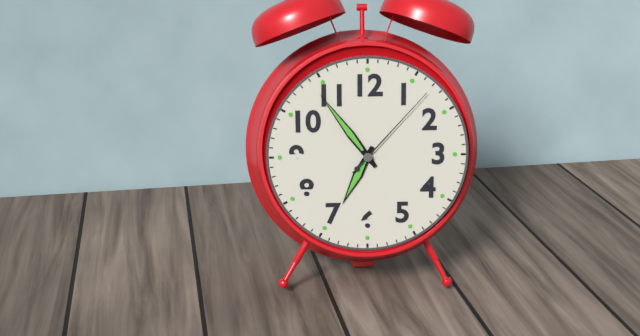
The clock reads **6:54:07**
